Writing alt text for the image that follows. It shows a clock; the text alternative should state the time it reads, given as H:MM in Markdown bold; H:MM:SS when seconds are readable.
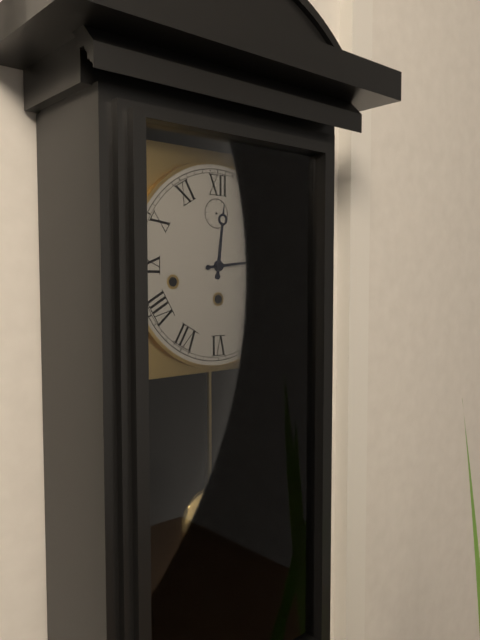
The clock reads **12:14**
